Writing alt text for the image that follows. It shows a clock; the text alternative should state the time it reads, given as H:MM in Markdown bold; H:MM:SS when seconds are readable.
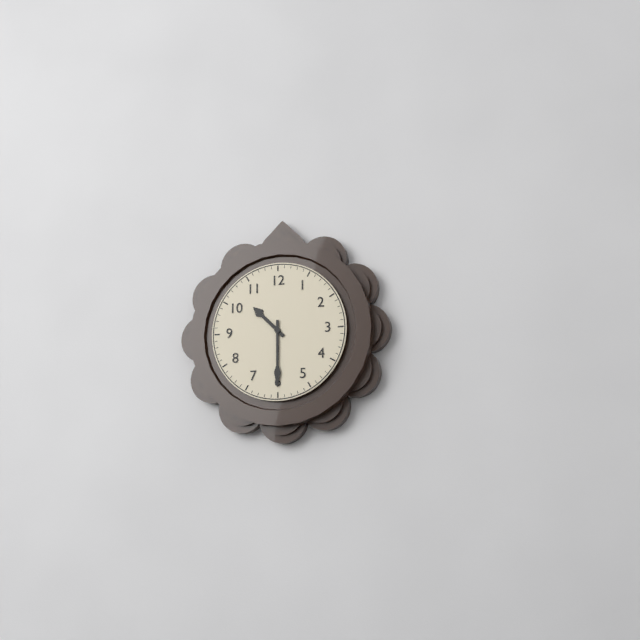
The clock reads **10:30**
